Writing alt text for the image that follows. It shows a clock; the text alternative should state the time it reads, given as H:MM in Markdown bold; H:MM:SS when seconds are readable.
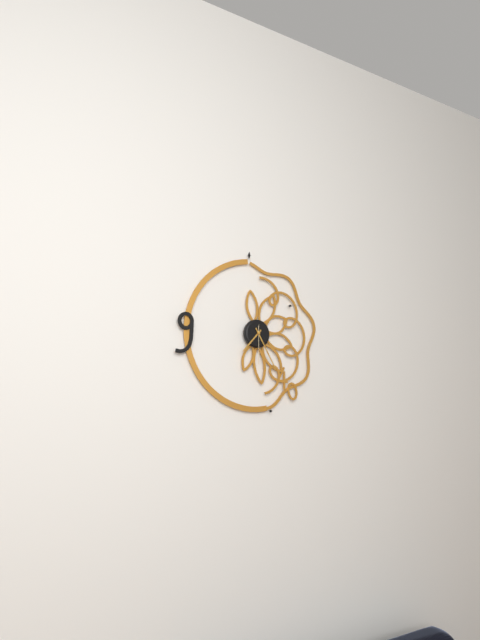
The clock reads **7:25**
